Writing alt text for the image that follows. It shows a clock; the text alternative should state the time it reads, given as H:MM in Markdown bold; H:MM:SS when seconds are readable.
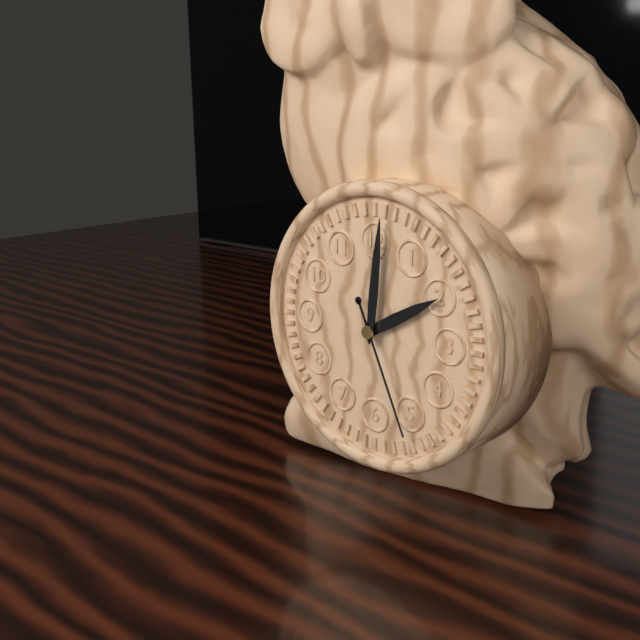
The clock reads **2:01:26**
